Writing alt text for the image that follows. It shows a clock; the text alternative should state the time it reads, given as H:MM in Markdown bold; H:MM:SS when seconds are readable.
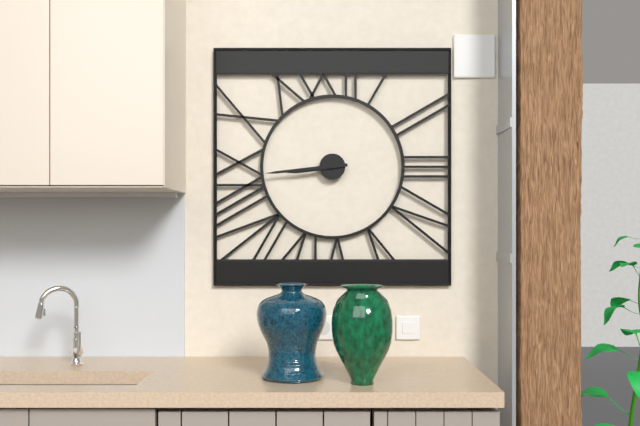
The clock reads **8:44**
